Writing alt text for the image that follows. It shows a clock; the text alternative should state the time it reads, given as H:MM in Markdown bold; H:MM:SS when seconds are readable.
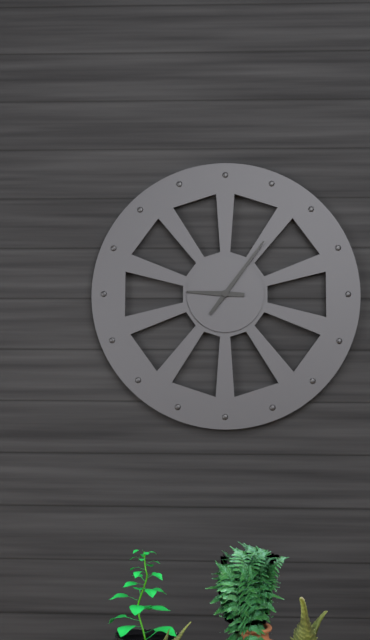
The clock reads **9:06**
